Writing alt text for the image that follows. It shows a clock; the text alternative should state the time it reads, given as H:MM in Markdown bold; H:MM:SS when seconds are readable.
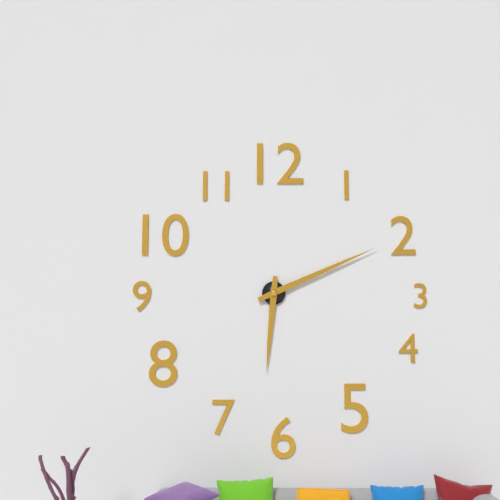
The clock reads **6:11**
